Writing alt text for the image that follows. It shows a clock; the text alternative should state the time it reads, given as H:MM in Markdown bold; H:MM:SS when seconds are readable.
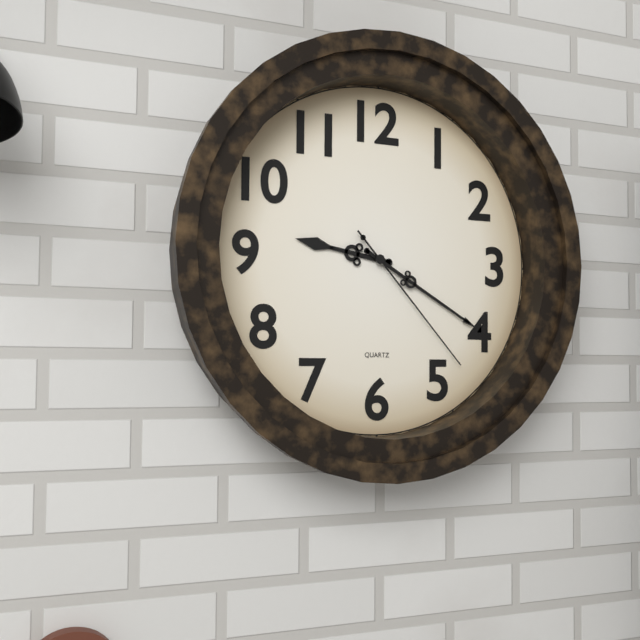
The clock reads **9:20:23**
